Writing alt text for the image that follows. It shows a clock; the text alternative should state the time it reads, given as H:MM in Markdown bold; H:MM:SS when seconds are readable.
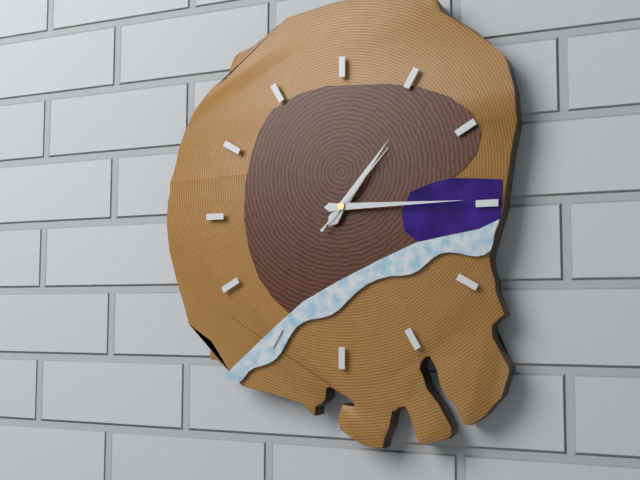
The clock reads **1:15:07**
